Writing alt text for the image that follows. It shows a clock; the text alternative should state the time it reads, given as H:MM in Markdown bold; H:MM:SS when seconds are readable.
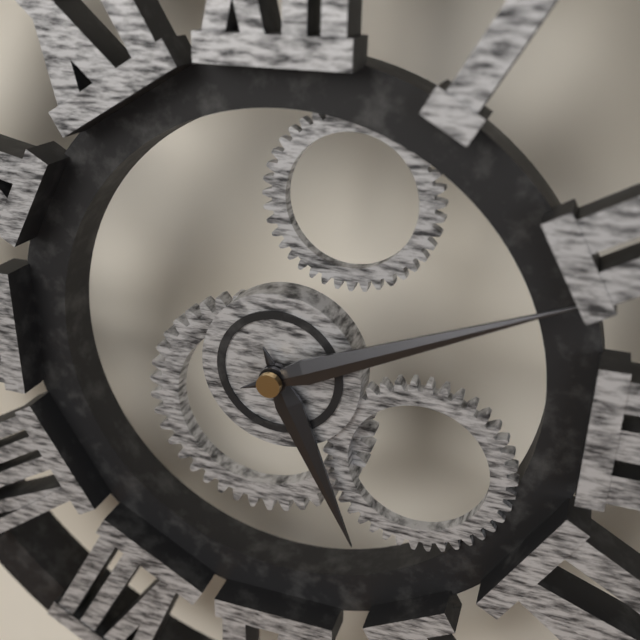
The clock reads **5:11**
